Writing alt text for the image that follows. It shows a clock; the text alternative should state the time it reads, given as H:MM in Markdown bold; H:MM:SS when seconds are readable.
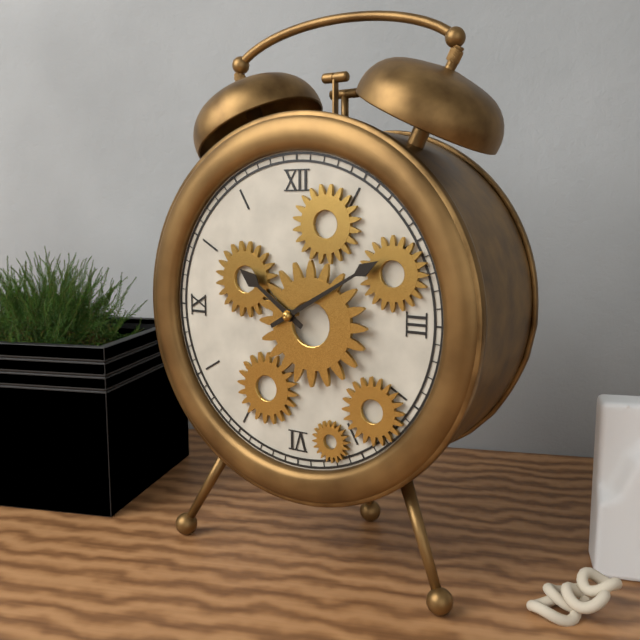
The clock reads **10:10**
